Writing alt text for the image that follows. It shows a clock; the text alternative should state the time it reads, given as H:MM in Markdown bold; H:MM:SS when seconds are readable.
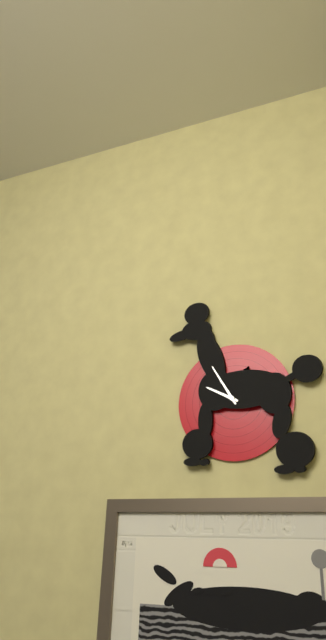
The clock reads **9:55**
